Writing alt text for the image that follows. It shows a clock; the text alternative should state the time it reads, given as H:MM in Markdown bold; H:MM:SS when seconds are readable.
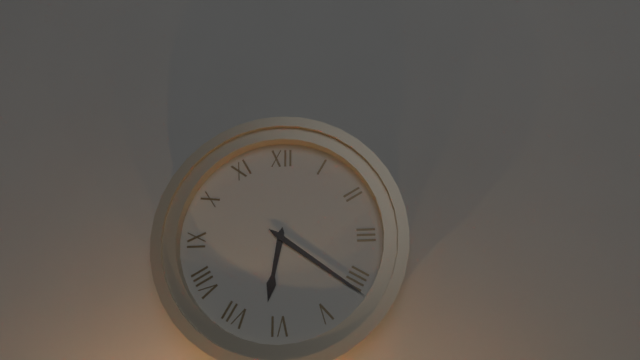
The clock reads **6:21**
